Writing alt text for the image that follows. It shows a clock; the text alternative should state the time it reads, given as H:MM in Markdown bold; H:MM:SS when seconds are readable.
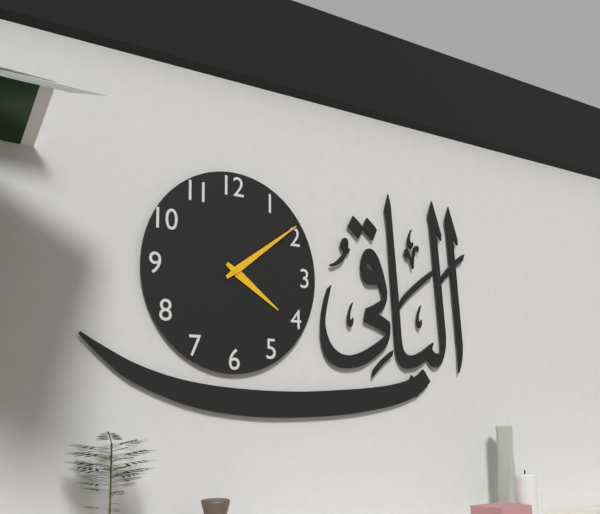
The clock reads **4:09**
